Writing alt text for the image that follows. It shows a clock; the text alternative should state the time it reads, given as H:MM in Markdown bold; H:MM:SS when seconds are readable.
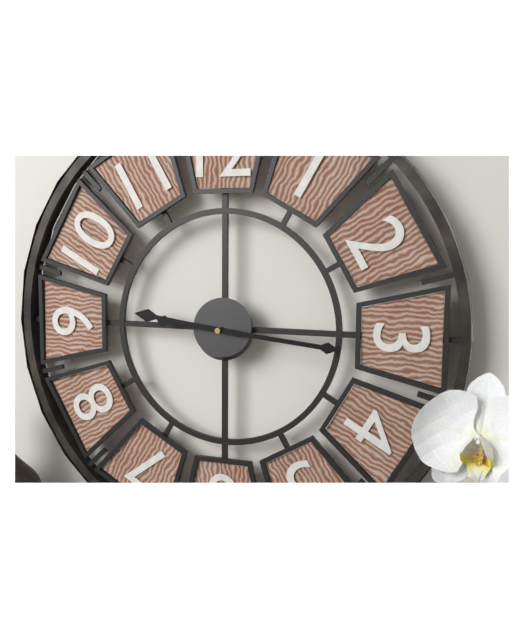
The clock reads **9:16**
